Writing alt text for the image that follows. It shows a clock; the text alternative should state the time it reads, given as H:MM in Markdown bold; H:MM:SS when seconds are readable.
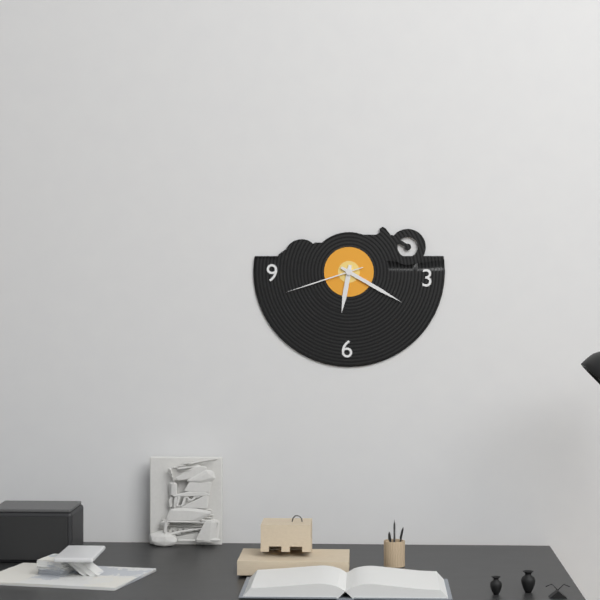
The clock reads **6:20:42**
